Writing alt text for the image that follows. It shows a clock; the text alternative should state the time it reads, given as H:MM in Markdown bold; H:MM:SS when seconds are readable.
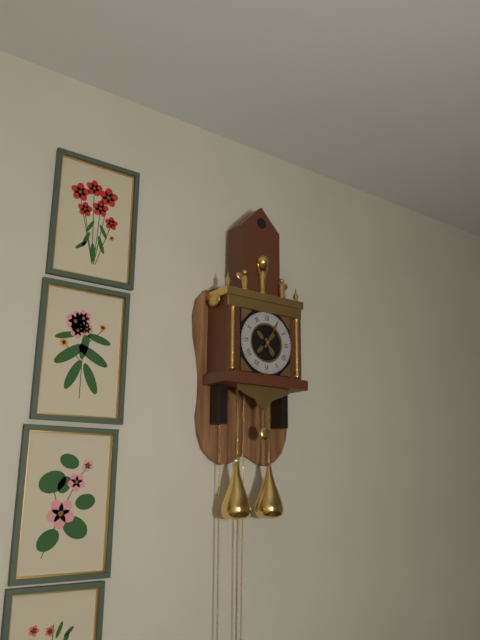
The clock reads **5:05**
